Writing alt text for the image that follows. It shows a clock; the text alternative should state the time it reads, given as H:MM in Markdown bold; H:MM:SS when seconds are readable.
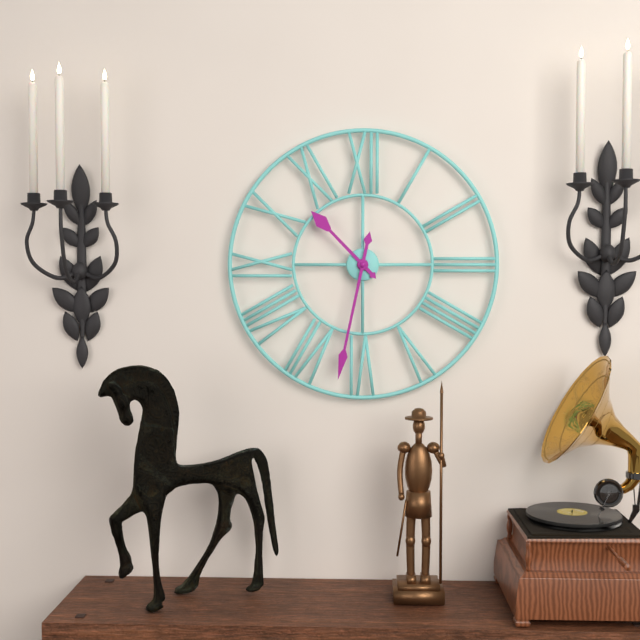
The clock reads **10:32**
